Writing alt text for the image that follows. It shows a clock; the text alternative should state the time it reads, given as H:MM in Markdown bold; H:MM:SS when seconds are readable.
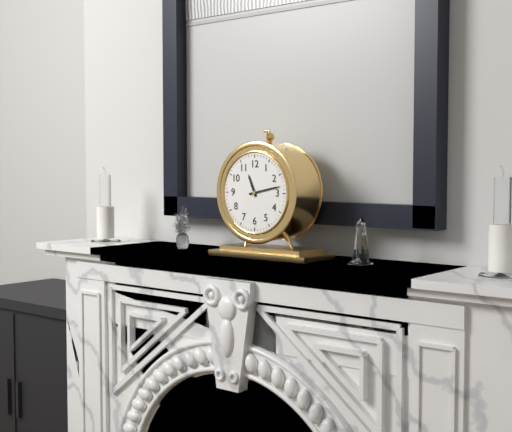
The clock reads **11:13**
